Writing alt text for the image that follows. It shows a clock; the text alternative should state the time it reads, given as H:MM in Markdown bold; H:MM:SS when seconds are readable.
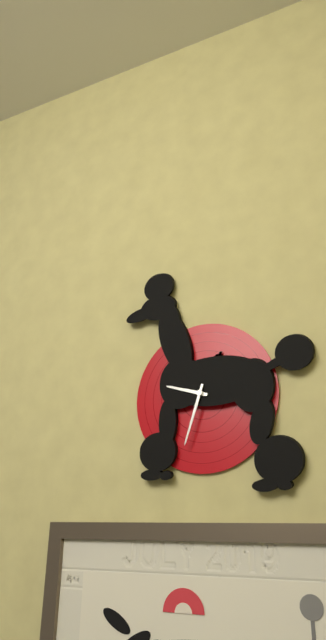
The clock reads **9:33**
